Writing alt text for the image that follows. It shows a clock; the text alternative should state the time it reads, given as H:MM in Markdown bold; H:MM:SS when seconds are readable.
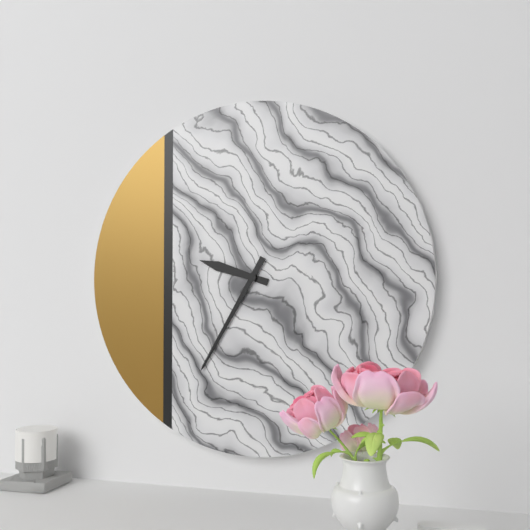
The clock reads **9:35**
